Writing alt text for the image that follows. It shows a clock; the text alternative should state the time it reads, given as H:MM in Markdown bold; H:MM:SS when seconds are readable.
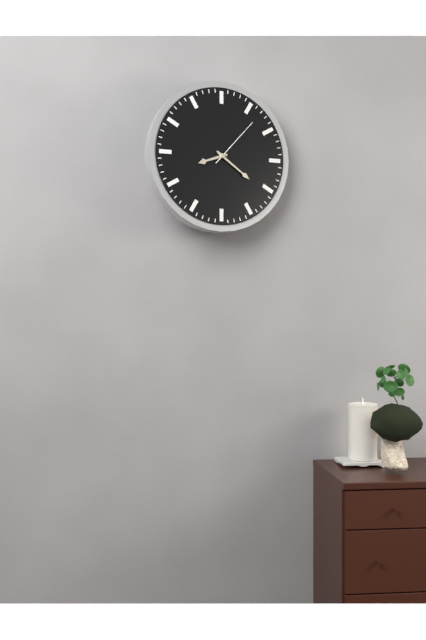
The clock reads **8:21:07**
